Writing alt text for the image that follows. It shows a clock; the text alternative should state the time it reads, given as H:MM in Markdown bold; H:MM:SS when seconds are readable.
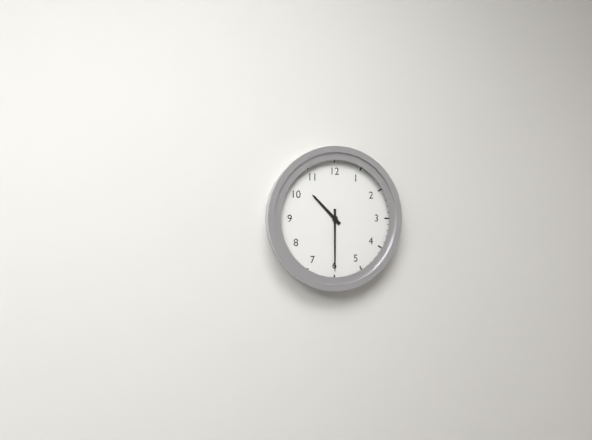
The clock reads **10:30**
